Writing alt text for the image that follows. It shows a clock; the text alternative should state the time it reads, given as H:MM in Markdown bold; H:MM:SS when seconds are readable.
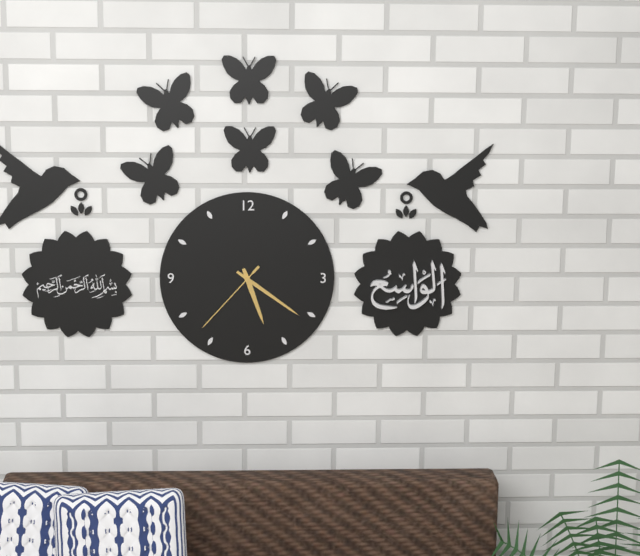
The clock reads **5:21:37**
